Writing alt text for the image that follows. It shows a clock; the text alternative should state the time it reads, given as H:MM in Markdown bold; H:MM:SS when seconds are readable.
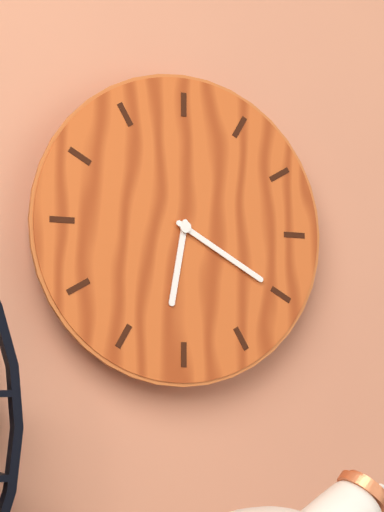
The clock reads **6:20**
